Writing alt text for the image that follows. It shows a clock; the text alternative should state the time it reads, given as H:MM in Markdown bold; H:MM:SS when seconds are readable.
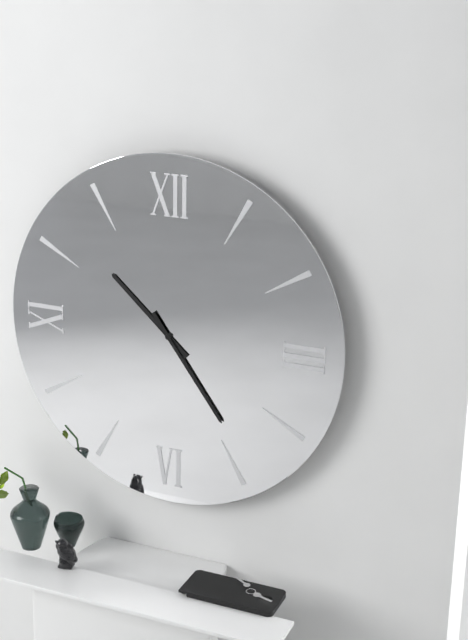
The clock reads **10:24**
